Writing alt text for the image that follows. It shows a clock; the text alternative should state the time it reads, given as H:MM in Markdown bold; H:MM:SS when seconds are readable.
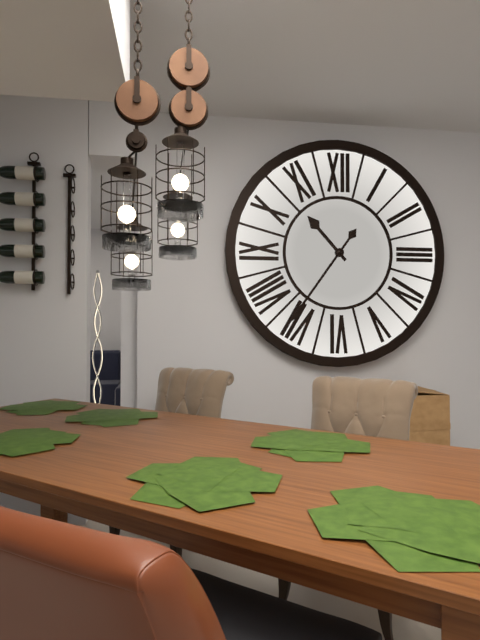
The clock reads **10:36**
